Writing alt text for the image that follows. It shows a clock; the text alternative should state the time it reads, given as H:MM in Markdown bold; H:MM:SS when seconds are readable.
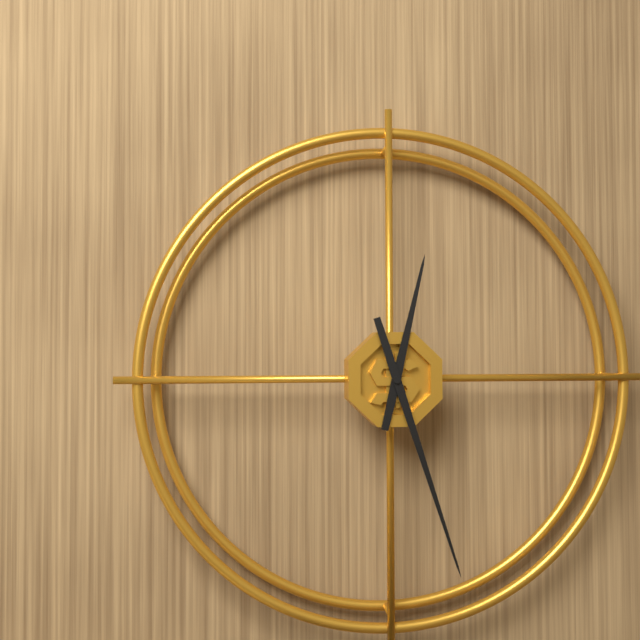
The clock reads **12:27**
